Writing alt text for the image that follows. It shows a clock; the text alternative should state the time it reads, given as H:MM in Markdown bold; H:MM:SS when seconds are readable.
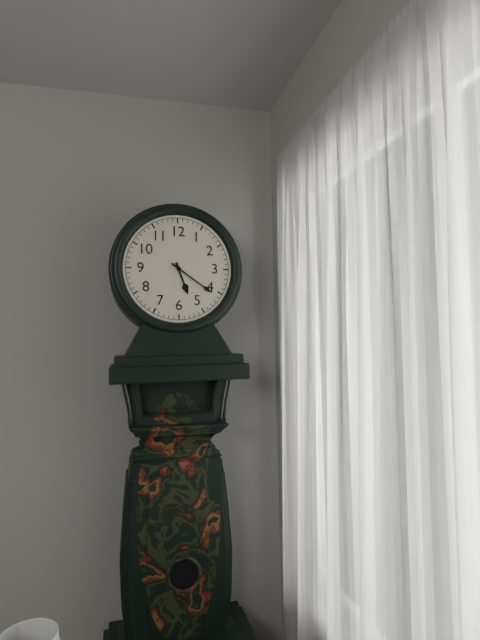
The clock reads **5:21**
